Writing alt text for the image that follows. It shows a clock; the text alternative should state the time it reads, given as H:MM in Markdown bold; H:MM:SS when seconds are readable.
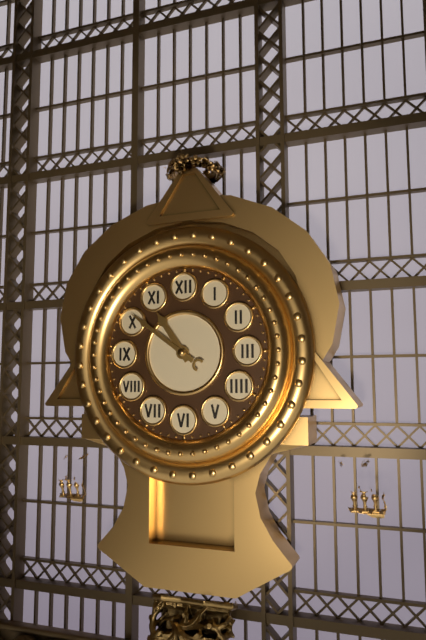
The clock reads **10:51**
